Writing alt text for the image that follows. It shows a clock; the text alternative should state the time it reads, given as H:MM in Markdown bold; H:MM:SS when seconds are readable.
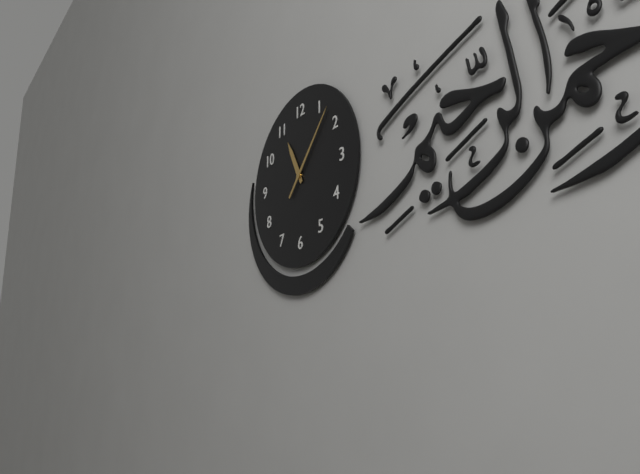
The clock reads **11:07**
